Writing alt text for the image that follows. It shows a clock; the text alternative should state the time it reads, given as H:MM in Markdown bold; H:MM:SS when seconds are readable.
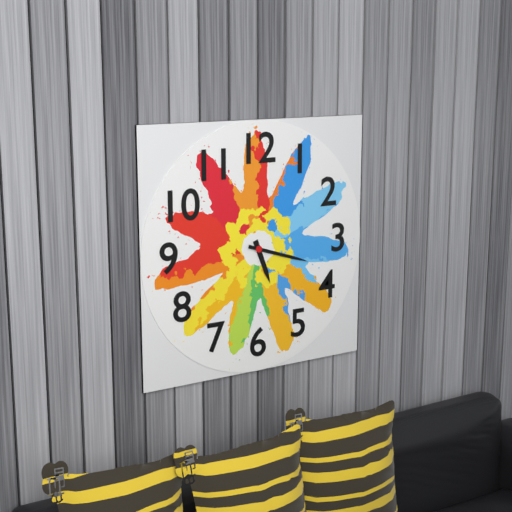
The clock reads **5:18**
